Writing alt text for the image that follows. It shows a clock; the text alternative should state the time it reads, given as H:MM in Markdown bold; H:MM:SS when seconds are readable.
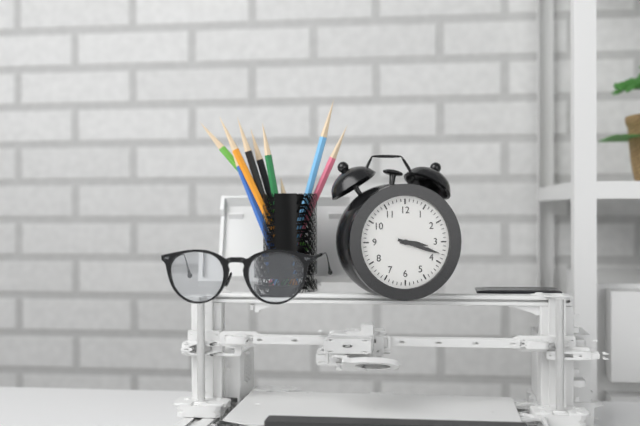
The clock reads **3:18**
